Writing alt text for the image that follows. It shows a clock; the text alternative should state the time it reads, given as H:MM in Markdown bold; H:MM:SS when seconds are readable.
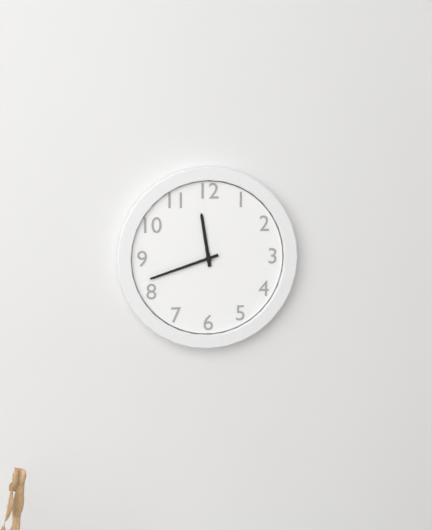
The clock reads **11:42**
